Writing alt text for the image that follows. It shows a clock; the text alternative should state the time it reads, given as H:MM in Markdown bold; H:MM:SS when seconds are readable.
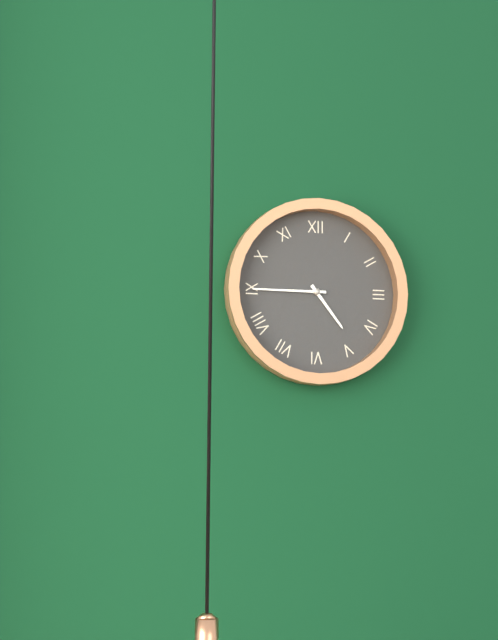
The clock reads **4:45**
